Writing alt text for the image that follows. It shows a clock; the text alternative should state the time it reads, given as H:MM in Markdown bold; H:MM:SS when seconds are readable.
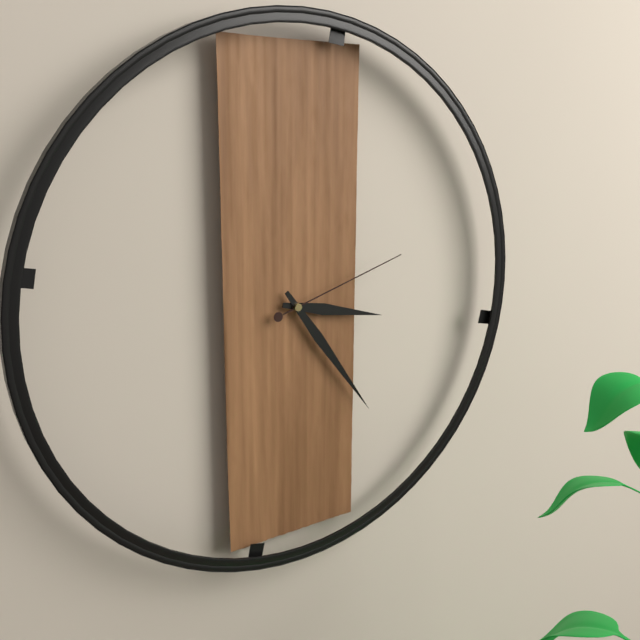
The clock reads **3:24:12**
